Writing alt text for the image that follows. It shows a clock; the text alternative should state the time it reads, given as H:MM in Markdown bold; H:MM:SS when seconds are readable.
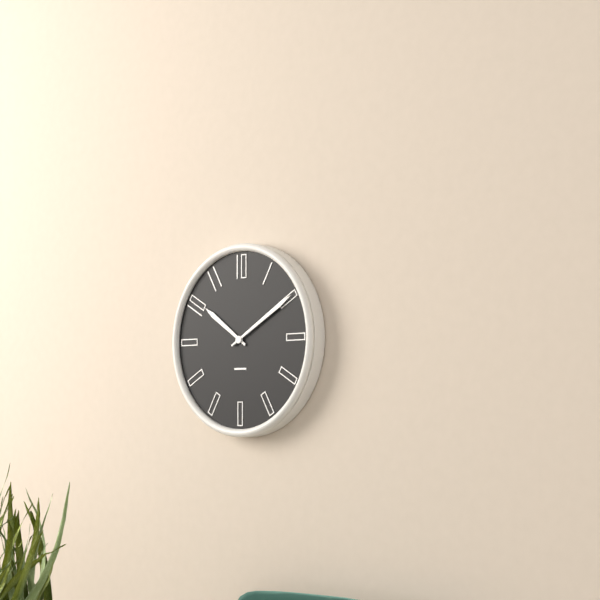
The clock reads **10:10**
